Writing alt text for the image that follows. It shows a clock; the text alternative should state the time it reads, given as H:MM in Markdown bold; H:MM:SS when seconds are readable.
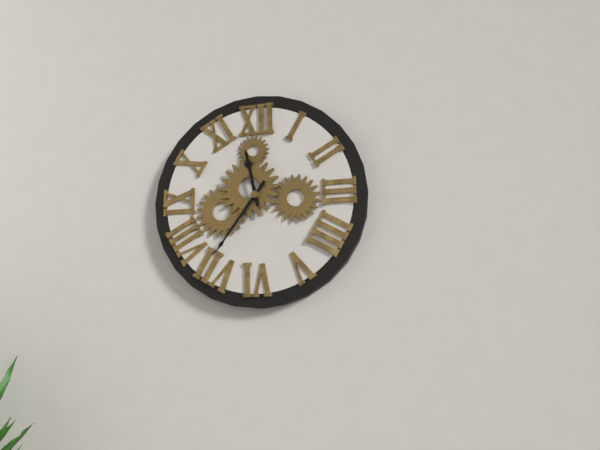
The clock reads **11:36**
